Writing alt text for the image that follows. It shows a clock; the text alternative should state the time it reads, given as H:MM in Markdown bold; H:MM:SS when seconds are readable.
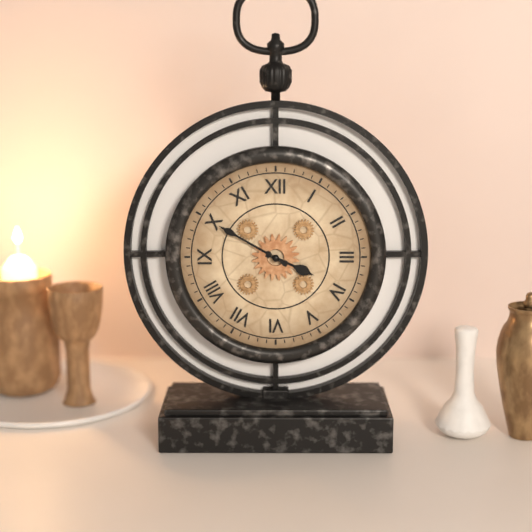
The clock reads **3:50**
